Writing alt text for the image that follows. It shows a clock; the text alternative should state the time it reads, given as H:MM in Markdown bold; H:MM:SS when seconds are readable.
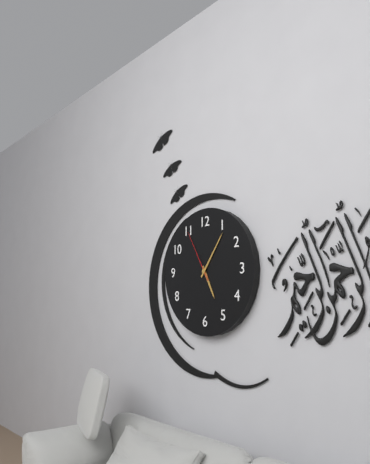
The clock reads **5:06:55**
